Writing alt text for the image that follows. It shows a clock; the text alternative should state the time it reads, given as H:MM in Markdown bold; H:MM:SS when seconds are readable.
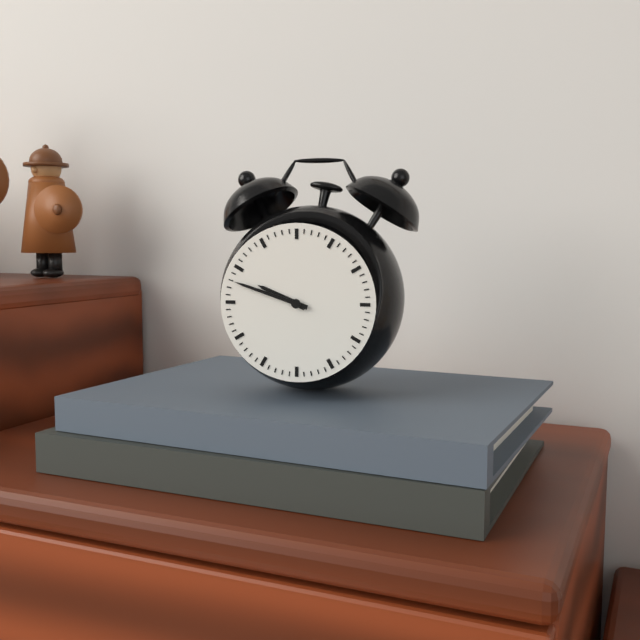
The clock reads **9:48**
